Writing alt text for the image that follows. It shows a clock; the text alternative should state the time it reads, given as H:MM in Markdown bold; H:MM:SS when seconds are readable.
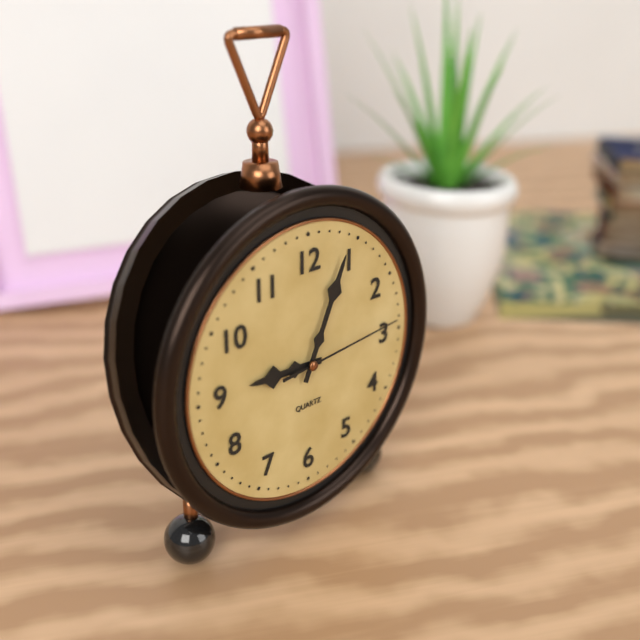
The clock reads **9:04:14**
